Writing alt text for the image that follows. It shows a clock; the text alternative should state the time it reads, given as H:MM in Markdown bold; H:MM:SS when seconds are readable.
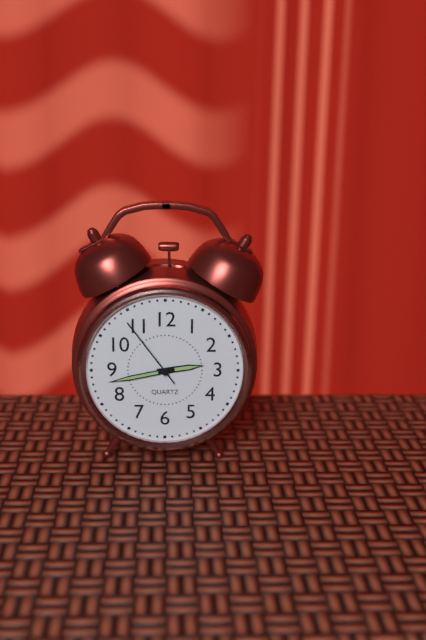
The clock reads **2:43:54**
